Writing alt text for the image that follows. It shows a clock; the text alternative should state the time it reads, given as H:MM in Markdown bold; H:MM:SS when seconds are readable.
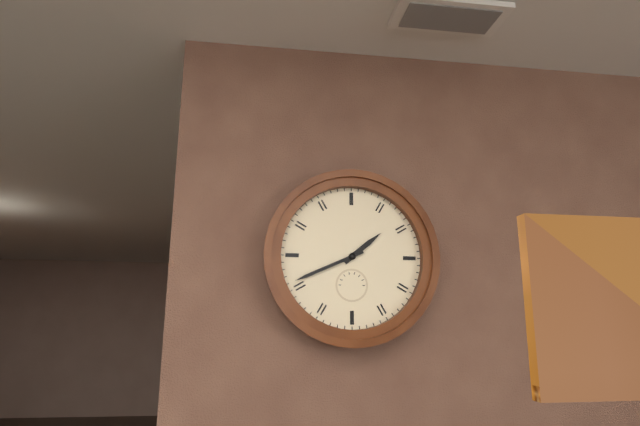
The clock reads **1:41**
